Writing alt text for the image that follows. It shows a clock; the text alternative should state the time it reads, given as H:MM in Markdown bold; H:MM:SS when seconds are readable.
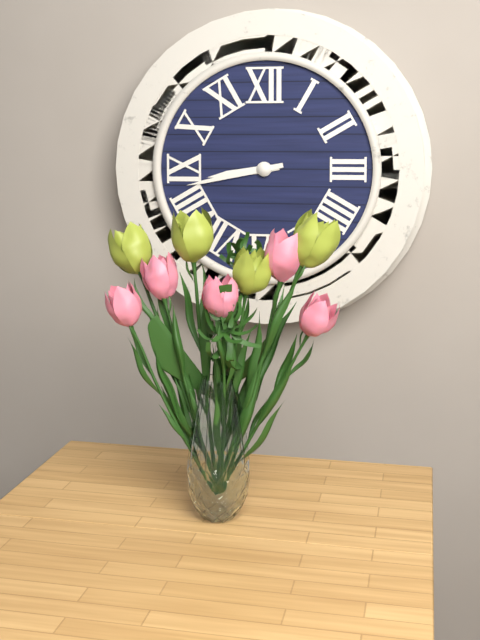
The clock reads **8:43**
